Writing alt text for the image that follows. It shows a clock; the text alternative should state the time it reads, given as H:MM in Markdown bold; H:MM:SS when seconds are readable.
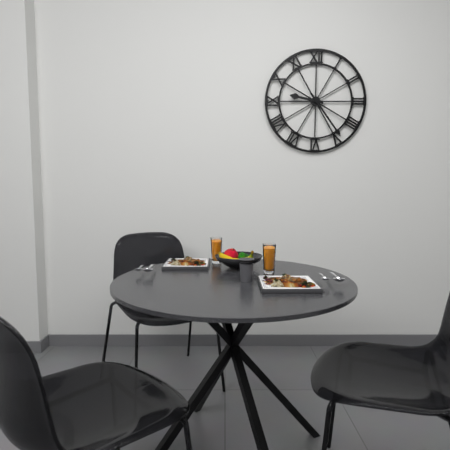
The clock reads **9:24**
